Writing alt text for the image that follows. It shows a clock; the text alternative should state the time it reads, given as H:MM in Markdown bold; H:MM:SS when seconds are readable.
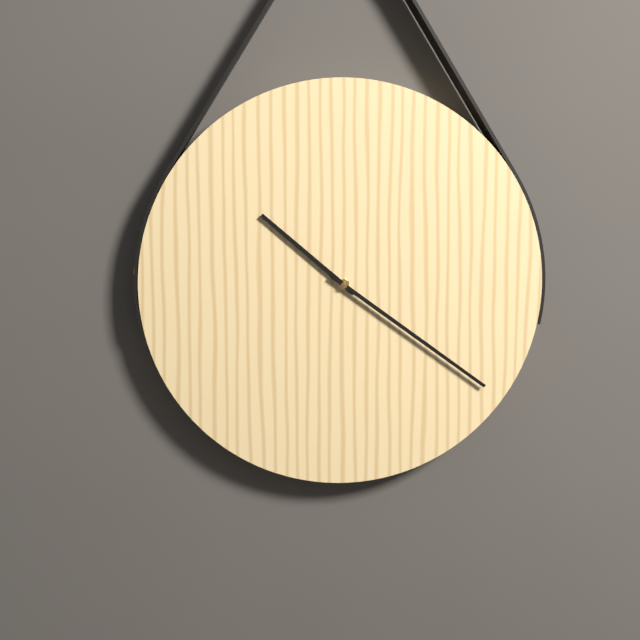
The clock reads **10:21**
